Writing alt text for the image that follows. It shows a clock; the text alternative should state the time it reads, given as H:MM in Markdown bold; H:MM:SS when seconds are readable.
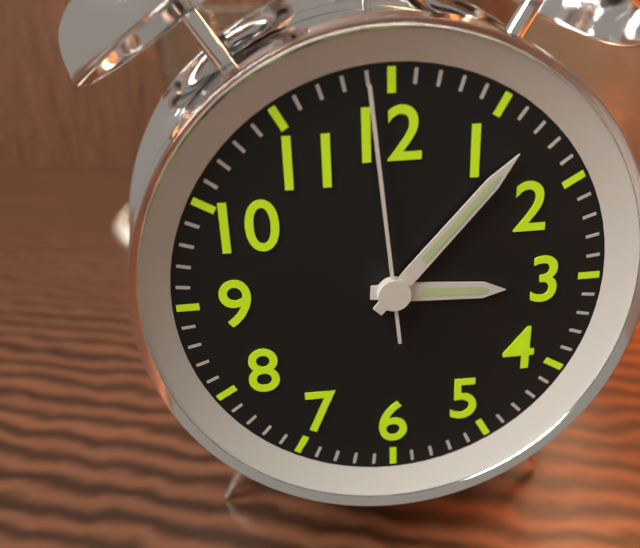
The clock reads **3:07:59**
